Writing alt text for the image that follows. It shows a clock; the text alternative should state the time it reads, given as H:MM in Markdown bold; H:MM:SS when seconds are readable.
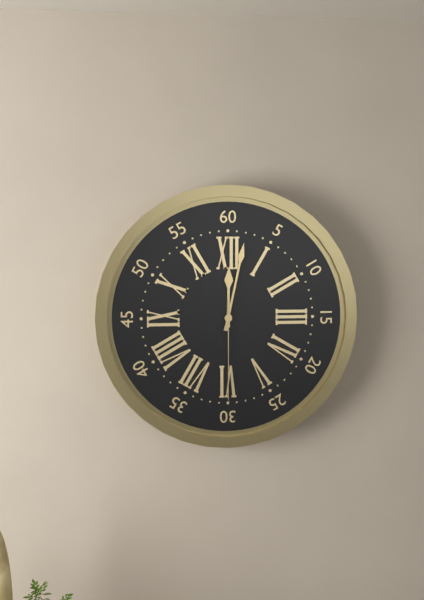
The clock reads **12:02:30**
